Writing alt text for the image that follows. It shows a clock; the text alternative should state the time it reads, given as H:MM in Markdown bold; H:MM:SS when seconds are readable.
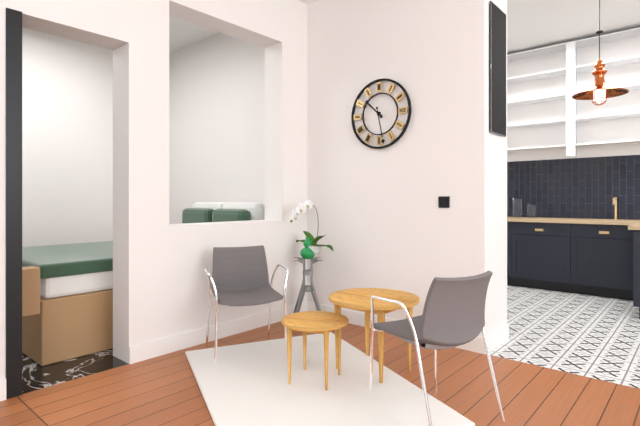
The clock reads **10:28**
